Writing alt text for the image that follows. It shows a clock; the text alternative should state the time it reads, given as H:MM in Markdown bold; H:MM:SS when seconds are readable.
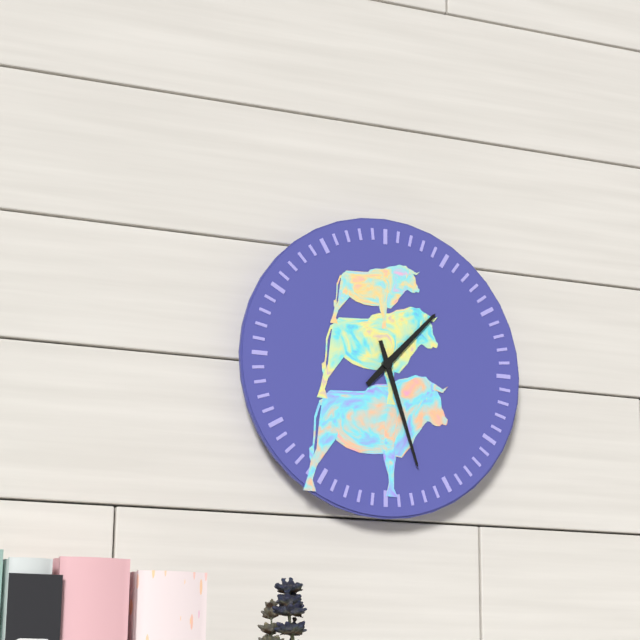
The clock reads **1:27**
